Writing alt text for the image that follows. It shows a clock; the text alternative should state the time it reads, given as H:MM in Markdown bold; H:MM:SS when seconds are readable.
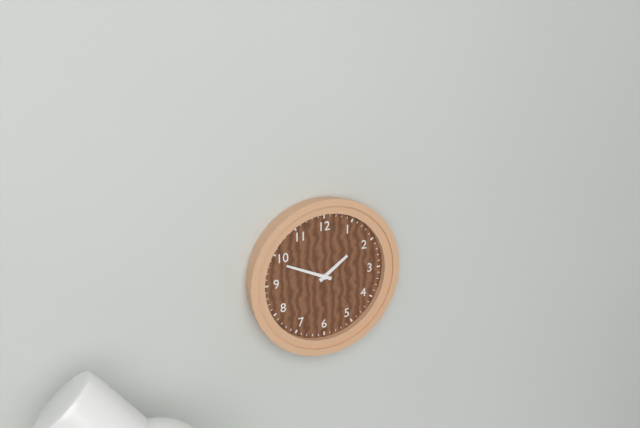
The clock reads **1:49**
